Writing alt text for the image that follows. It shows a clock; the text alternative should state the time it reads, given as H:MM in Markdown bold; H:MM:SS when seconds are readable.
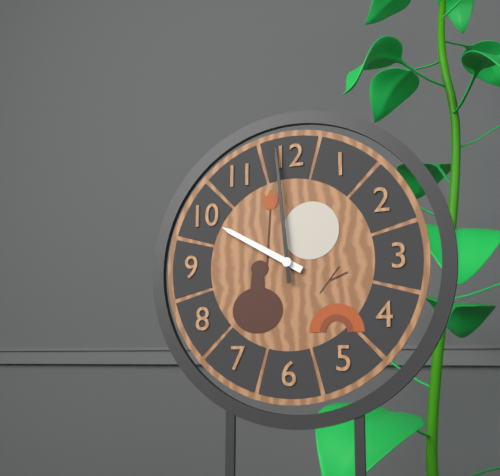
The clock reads **9:59**
